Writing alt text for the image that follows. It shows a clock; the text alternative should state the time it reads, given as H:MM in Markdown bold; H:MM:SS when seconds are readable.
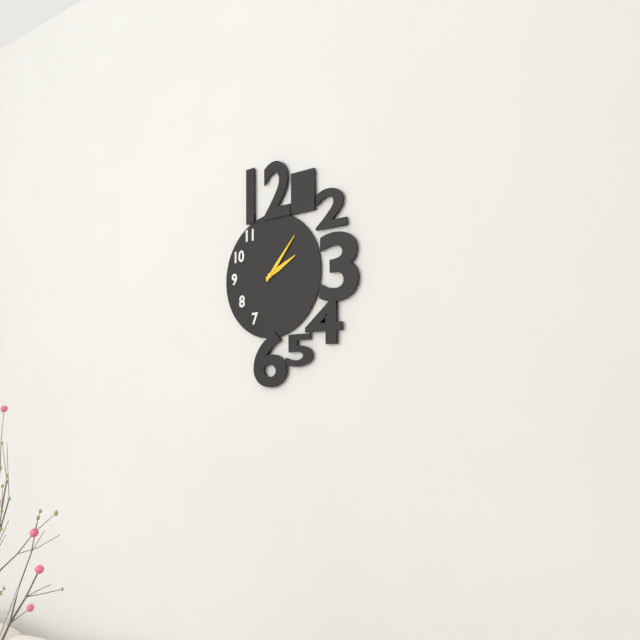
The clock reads **2:07**
